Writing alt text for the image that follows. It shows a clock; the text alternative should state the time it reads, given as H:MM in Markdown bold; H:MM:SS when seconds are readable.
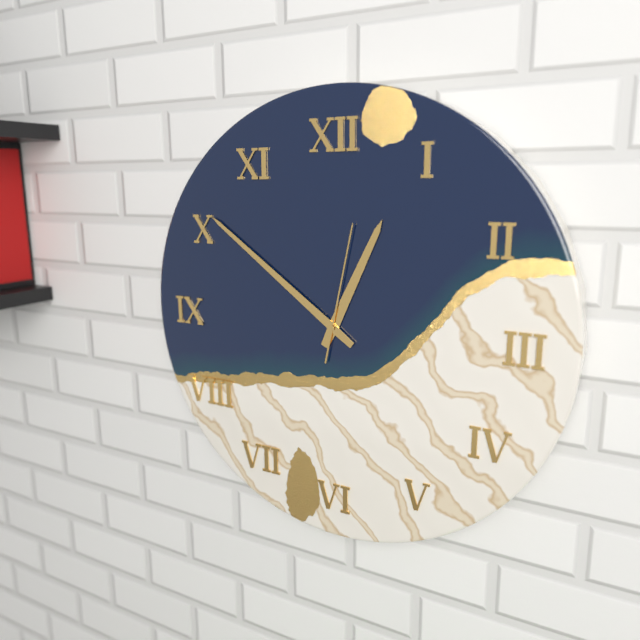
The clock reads **12:51:02**
